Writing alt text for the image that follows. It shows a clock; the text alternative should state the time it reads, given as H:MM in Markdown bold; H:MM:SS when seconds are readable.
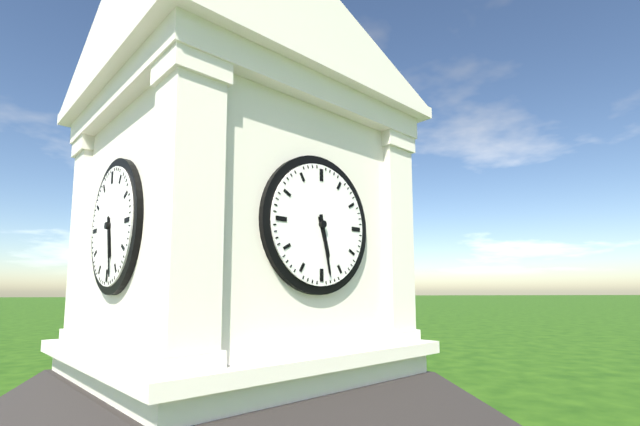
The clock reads **5:28**
